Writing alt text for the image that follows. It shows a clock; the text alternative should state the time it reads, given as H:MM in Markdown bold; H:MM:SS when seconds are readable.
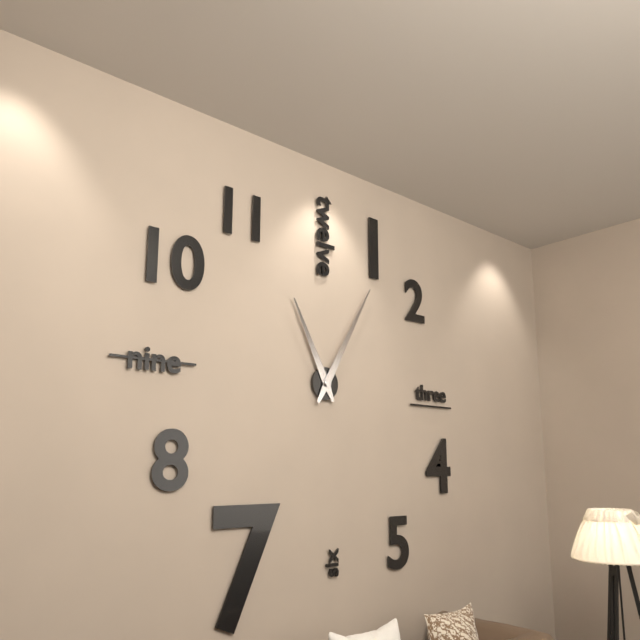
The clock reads **11:05**
